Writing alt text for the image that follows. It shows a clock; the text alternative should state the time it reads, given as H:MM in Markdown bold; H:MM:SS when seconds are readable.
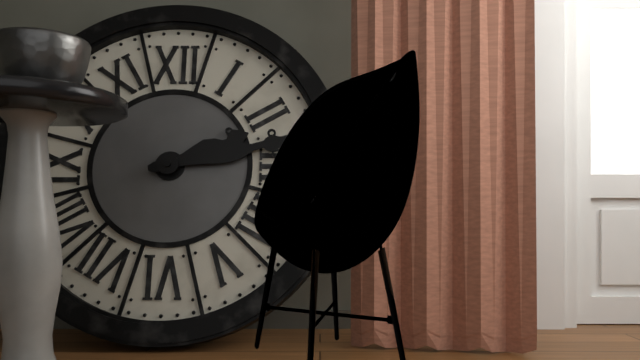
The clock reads **2:13**
